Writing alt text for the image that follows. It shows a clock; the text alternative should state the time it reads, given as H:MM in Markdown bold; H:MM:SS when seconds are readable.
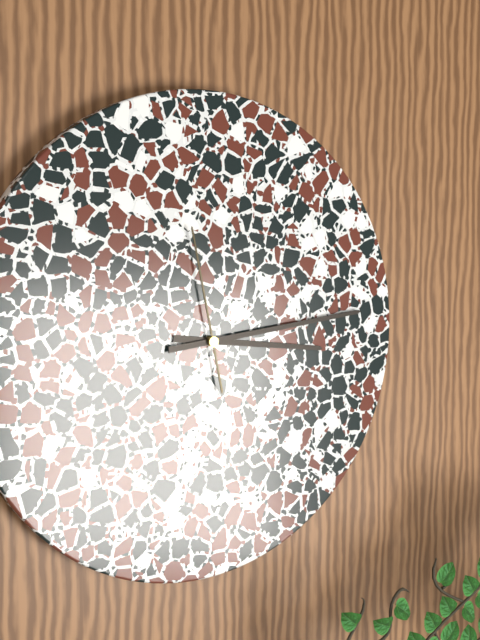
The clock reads **3:14:58**
